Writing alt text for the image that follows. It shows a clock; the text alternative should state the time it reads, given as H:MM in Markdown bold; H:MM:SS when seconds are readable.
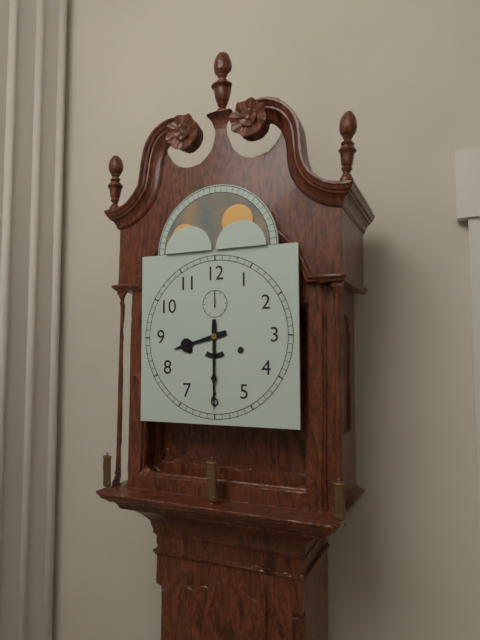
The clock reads **8:30**
